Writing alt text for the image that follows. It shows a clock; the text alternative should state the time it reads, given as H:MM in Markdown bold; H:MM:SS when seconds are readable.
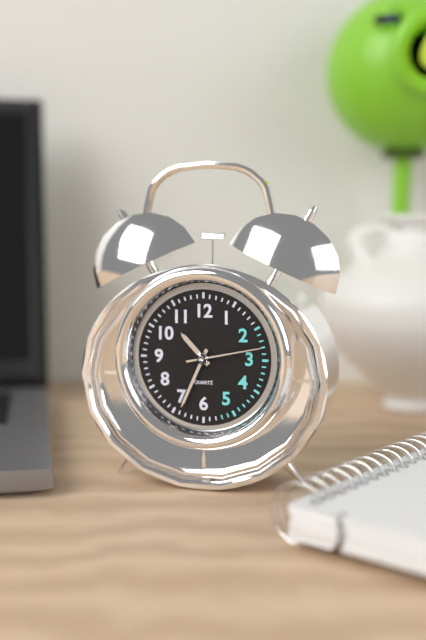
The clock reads **10:34:13**
